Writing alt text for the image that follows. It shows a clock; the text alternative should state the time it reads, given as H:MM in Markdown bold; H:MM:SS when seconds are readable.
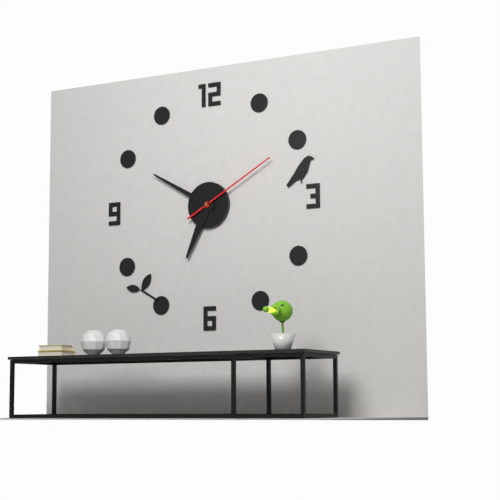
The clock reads **6:50:10**
